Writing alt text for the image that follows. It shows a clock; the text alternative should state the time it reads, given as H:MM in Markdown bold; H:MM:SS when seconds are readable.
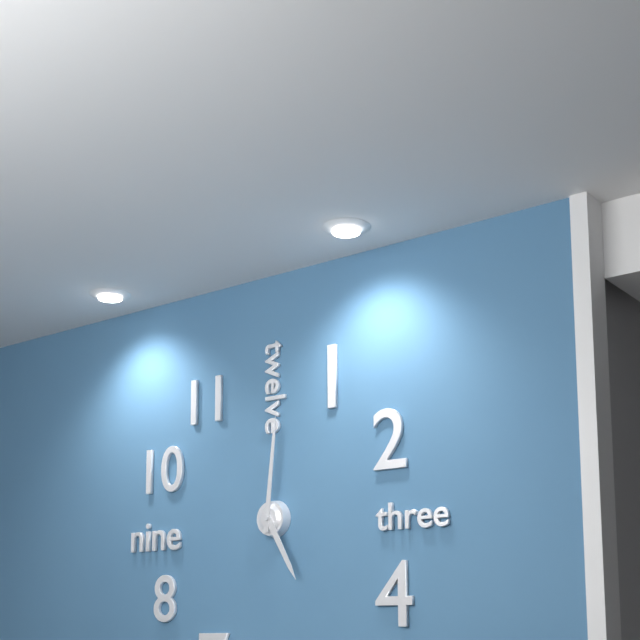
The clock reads **5:01**
